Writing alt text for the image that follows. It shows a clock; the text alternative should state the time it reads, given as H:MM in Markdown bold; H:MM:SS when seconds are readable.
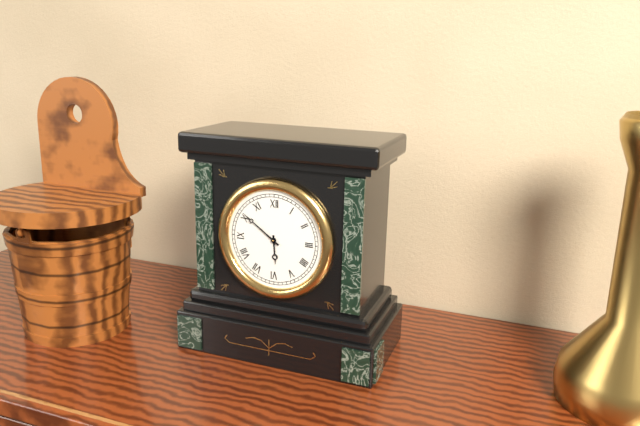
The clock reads **5:51**
